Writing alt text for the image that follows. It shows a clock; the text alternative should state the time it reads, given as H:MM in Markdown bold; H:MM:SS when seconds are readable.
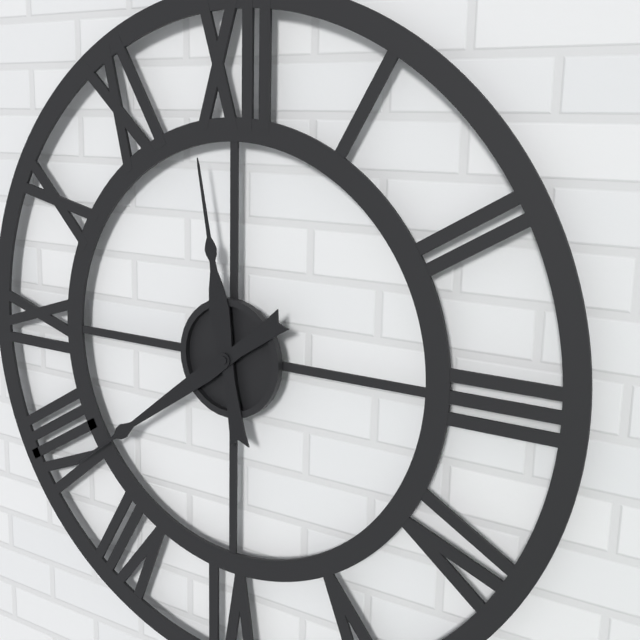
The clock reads **11:39**
